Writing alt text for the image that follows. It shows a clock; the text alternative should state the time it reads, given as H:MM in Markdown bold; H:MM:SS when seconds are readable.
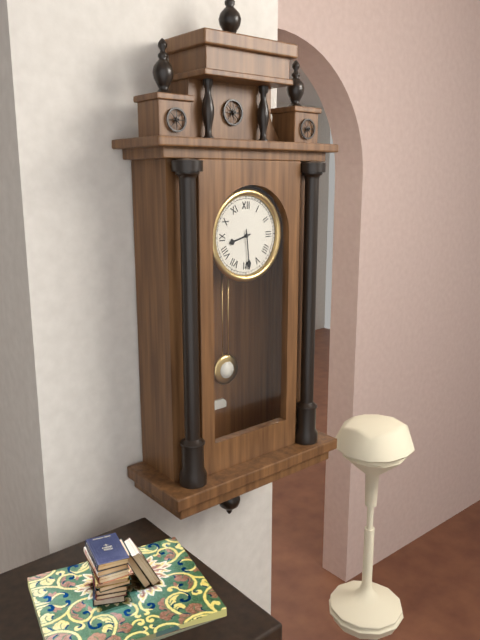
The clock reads **8:29**
